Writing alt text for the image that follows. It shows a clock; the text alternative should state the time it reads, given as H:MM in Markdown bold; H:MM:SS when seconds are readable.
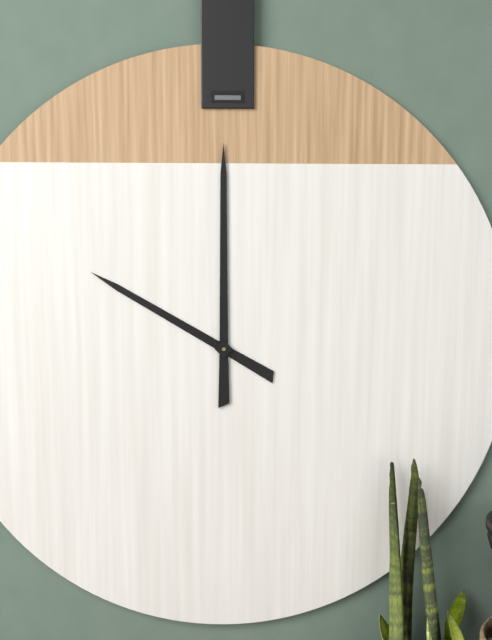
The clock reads **10:00**
